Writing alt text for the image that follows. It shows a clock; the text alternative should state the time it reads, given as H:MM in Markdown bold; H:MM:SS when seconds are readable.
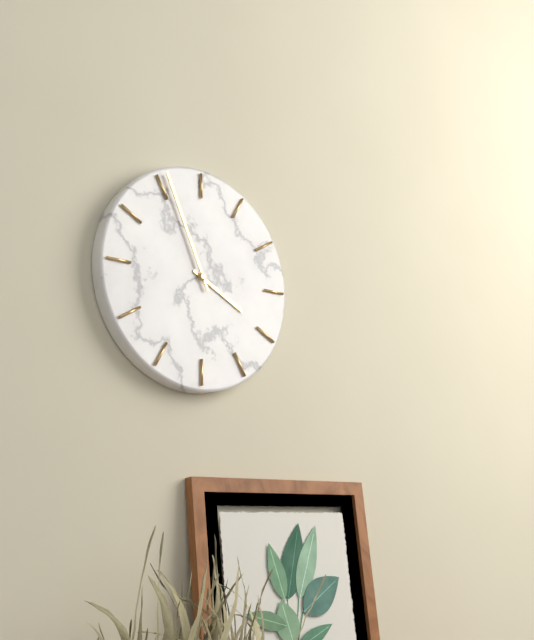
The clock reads **3:56**
